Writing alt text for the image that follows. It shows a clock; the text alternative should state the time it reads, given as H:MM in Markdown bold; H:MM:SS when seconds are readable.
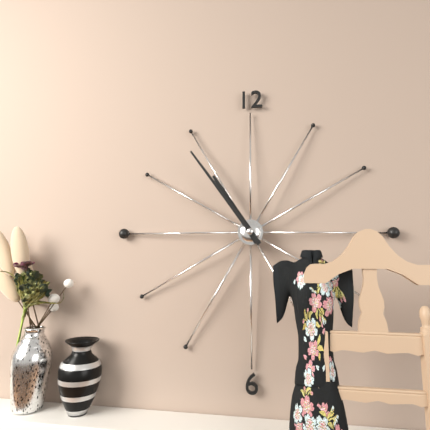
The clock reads **10:54**
